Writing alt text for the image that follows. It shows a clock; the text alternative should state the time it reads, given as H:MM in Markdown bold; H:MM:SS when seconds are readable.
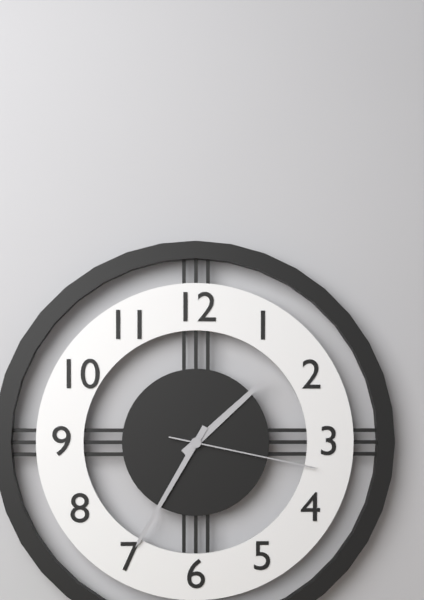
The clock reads **1:35:17**
